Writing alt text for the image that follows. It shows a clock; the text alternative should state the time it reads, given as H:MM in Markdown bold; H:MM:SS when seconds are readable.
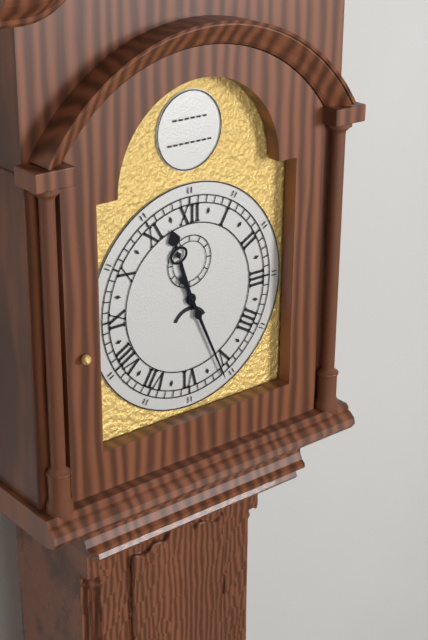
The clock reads **11:26**
